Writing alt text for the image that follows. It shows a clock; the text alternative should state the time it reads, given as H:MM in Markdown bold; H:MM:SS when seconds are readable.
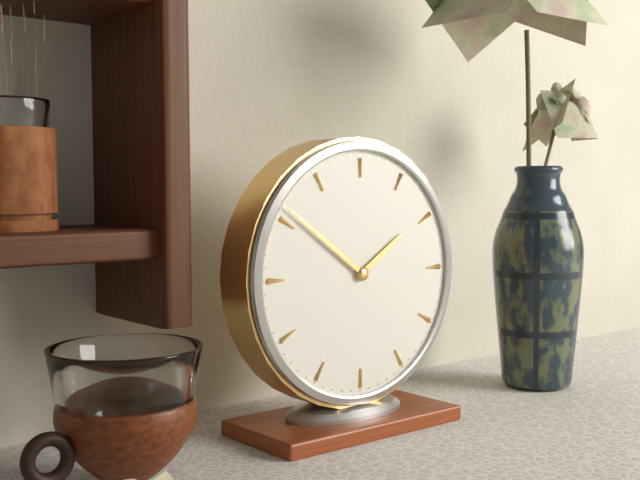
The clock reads **1:51**
